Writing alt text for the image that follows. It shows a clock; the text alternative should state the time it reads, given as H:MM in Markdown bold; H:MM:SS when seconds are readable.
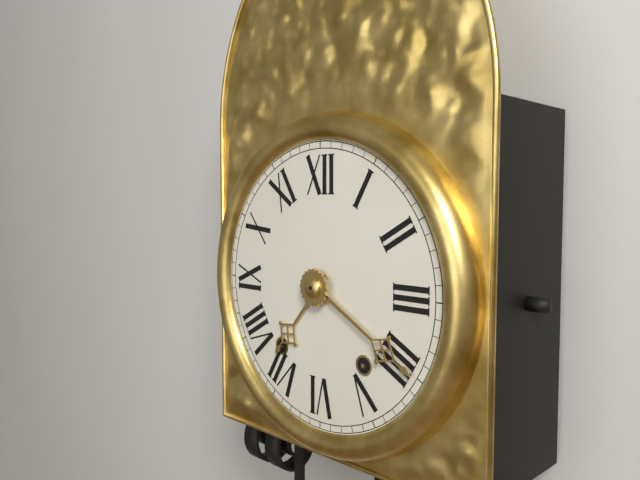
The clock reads **7:20**
